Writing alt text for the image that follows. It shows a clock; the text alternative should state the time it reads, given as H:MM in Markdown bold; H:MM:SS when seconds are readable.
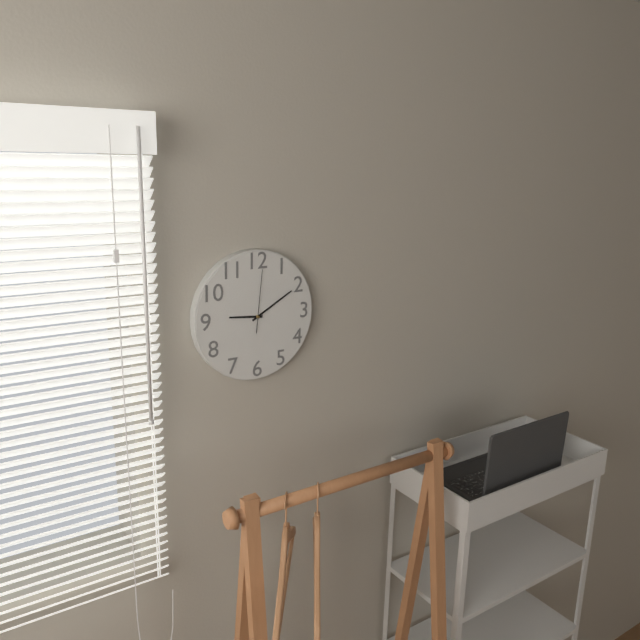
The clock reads **9:10:01**
